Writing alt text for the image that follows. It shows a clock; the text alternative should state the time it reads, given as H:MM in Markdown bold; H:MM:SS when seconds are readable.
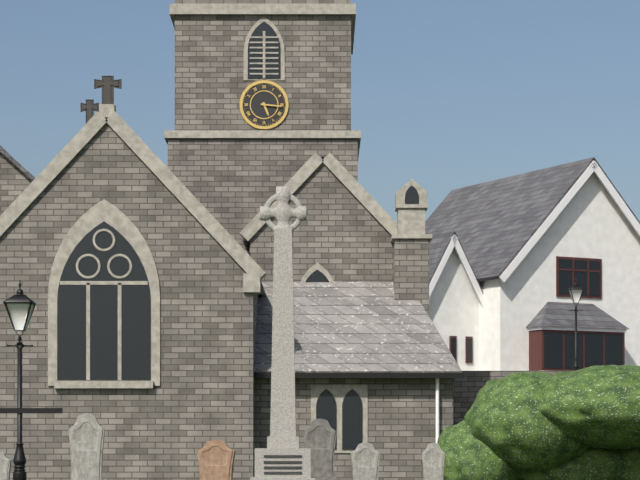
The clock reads **5:16**
